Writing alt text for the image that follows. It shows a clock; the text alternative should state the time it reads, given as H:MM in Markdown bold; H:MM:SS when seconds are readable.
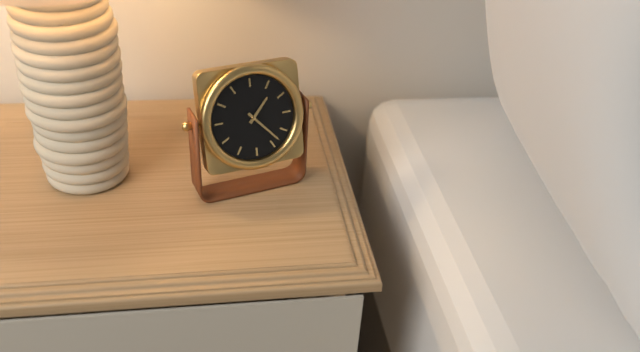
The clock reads **1:23**
